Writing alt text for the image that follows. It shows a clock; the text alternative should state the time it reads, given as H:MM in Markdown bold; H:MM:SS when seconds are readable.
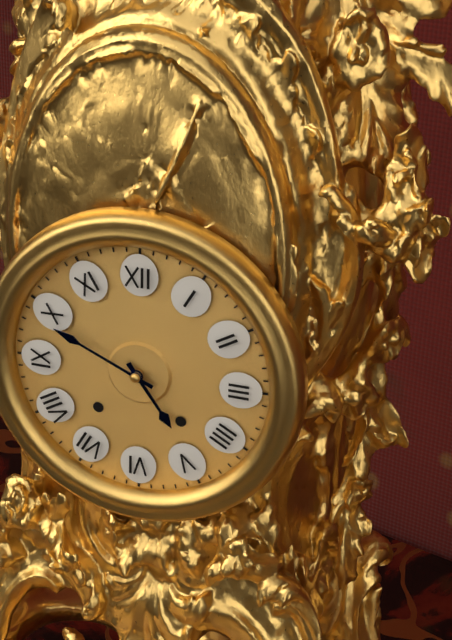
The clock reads **4:49**
